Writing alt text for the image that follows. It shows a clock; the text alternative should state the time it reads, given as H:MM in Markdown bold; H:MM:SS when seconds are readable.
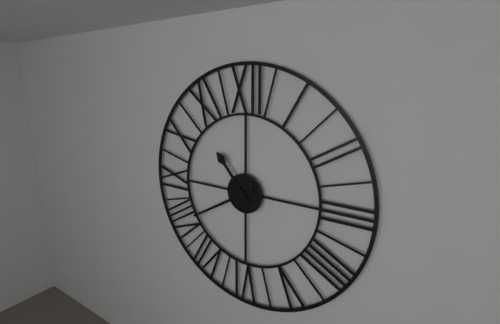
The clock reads **10:40**
